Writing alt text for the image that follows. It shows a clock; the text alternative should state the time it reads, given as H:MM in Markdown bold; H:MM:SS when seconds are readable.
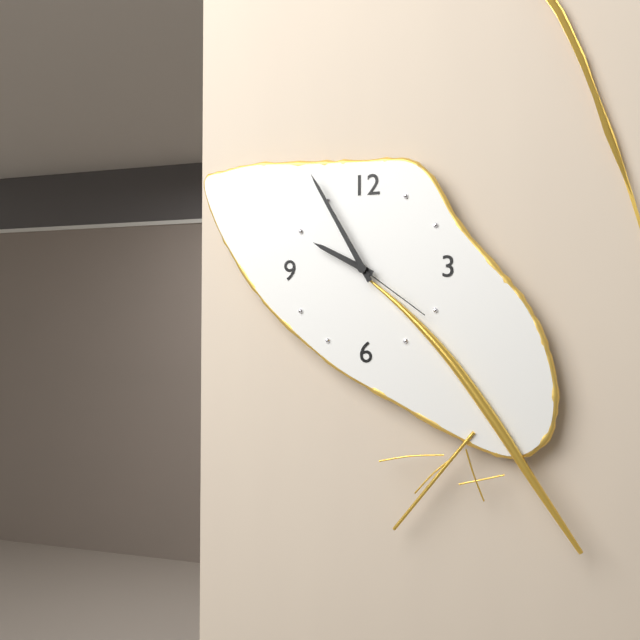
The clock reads **9:55:21**
